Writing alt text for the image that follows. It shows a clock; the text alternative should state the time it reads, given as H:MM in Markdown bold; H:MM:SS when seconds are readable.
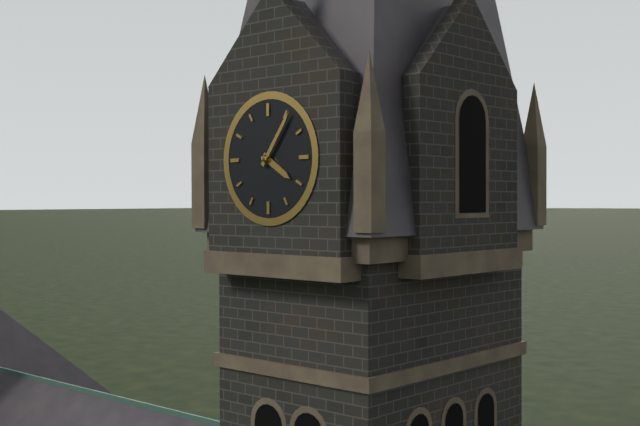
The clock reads **4:06**
